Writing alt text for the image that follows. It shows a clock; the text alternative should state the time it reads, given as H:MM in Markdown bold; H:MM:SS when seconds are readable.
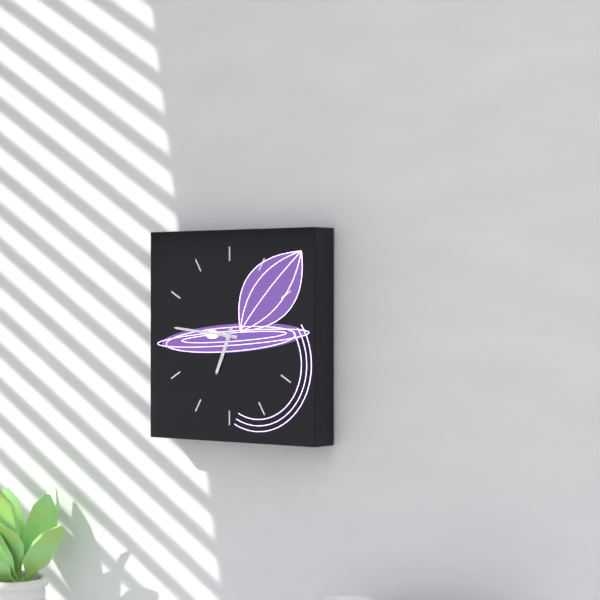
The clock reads **6:46**
